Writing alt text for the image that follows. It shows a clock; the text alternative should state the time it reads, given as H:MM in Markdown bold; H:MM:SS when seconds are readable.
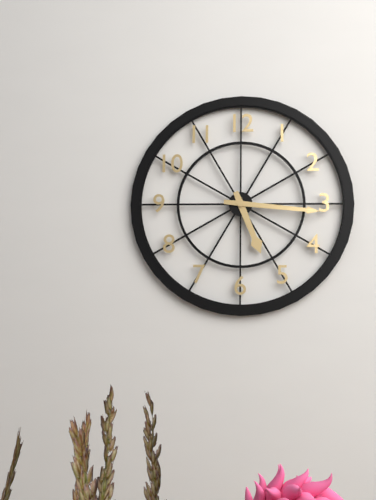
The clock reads **5:16**
